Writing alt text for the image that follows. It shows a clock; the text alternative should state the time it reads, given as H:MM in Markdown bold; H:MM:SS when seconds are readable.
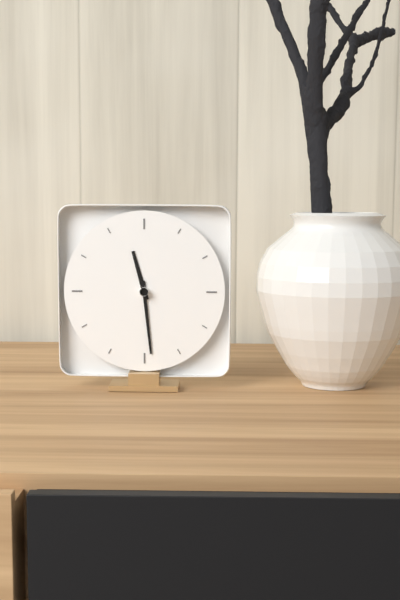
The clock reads **11:29**
